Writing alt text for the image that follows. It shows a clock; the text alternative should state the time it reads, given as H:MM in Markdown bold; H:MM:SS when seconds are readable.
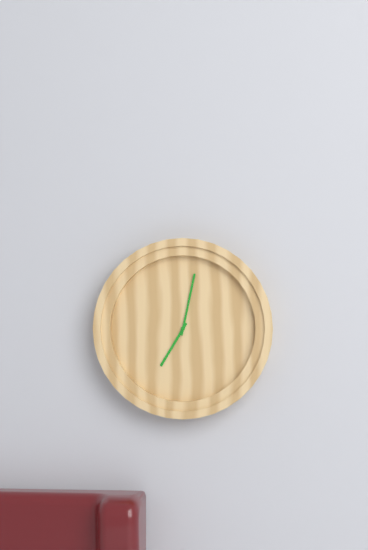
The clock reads **7:02**
